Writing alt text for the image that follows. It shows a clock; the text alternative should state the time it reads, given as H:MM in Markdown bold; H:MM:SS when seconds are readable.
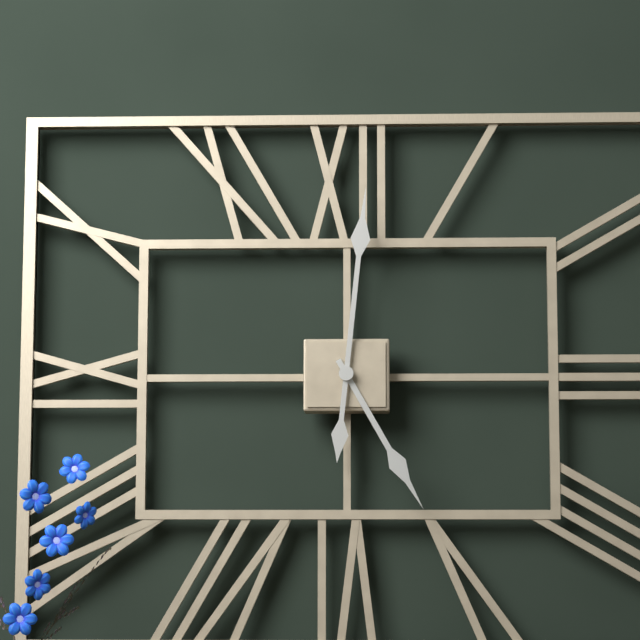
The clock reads **5:01**
